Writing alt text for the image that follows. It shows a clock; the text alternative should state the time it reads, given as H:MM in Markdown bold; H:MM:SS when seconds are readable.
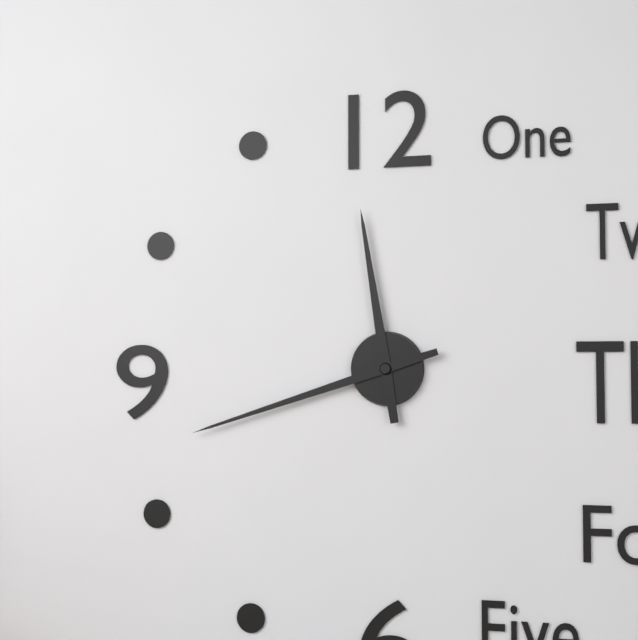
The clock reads **11:42**
